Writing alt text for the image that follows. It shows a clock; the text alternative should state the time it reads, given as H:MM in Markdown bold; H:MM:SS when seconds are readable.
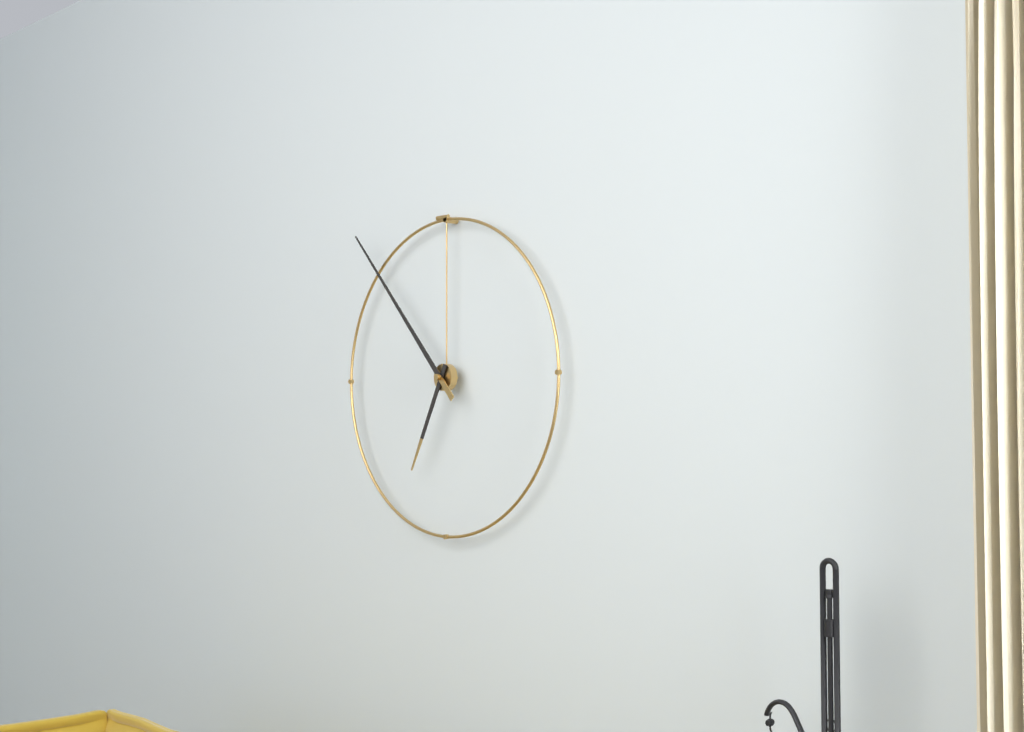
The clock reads **6:53**
